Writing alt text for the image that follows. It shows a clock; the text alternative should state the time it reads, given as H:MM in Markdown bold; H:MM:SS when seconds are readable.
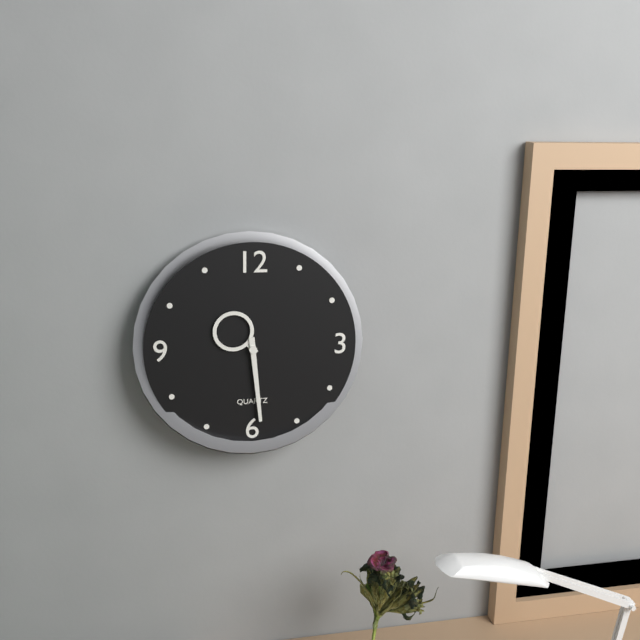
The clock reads **10:29**
